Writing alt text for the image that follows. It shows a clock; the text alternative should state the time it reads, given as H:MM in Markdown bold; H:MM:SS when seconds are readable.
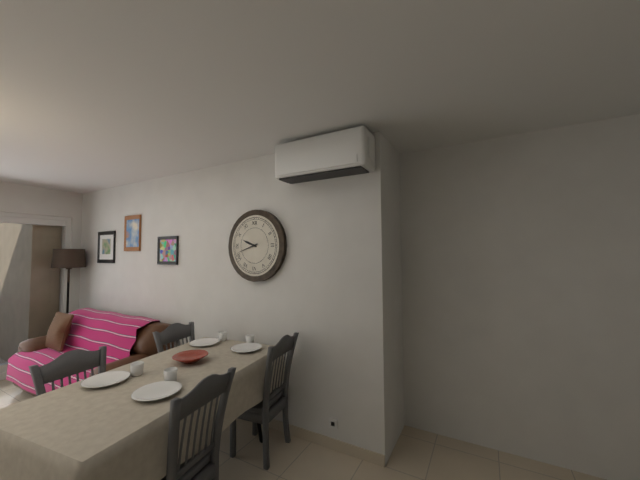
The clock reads **9:42**
